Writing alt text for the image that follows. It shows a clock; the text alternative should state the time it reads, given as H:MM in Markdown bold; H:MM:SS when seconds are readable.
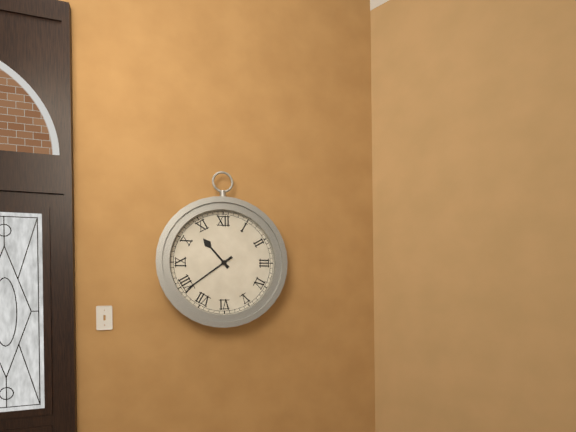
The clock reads **10:39**
